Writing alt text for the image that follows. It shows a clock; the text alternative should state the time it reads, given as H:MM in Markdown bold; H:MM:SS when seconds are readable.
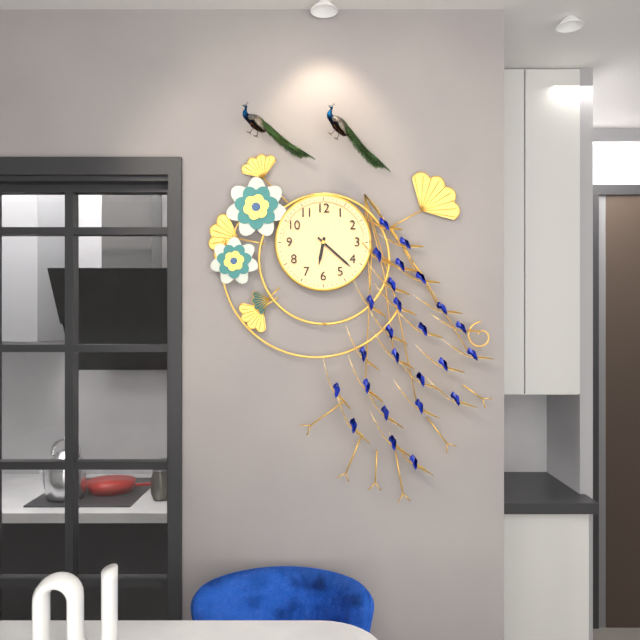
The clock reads **6:22**
